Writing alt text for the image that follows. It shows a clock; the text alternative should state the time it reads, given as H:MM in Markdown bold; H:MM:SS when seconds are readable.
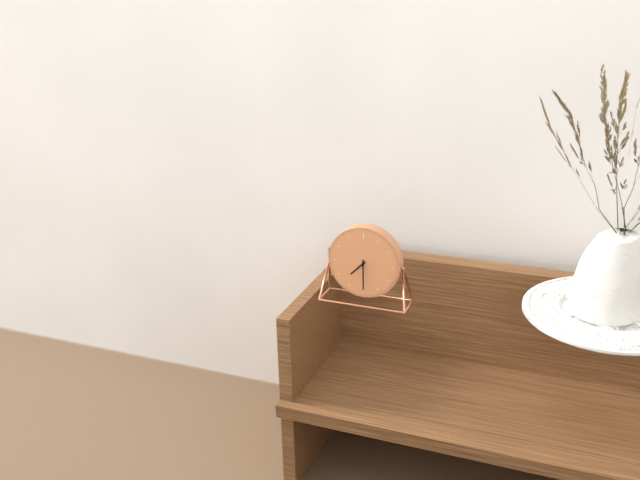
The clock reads **7:30**
